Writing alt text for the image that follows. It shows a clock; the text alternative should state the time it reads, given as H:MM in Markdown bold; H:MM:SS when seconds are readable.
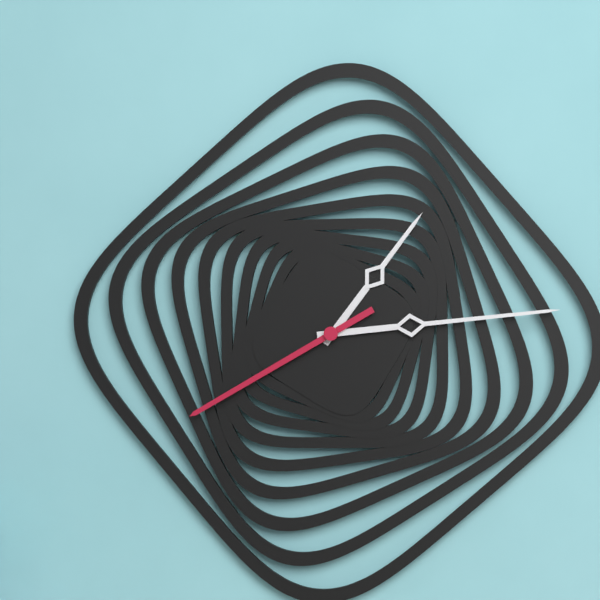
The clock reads **1:14:40**
